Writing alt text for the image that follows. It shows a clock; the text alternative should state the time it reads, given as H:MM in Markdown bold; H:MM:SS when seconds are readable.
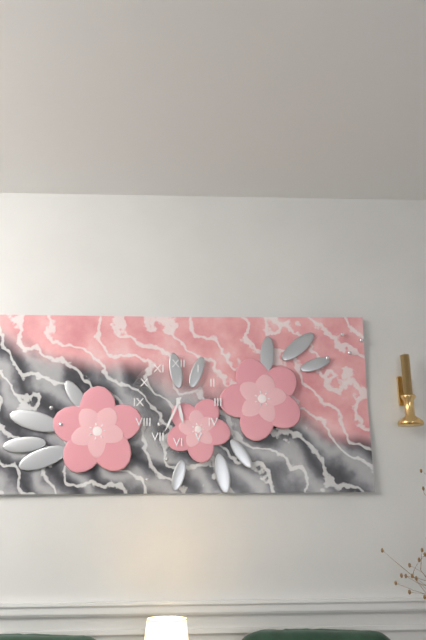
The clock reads **5:34**
